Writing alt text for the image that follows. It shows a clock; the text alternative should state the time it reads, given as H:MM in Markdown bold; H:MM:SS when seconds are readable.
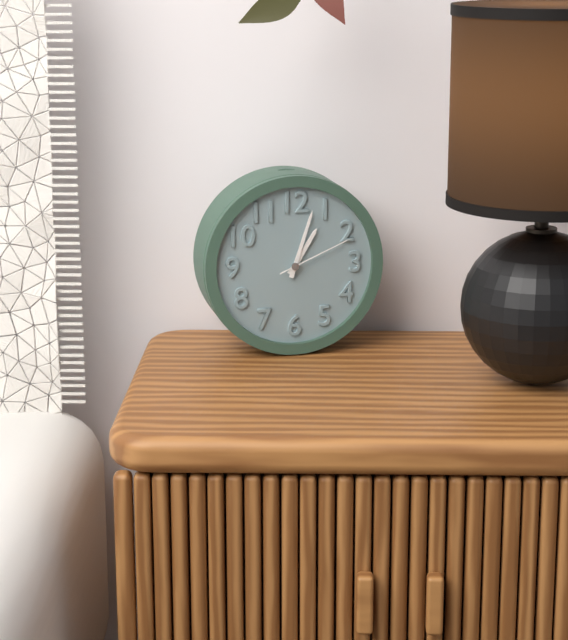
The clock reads **1:03:11**
